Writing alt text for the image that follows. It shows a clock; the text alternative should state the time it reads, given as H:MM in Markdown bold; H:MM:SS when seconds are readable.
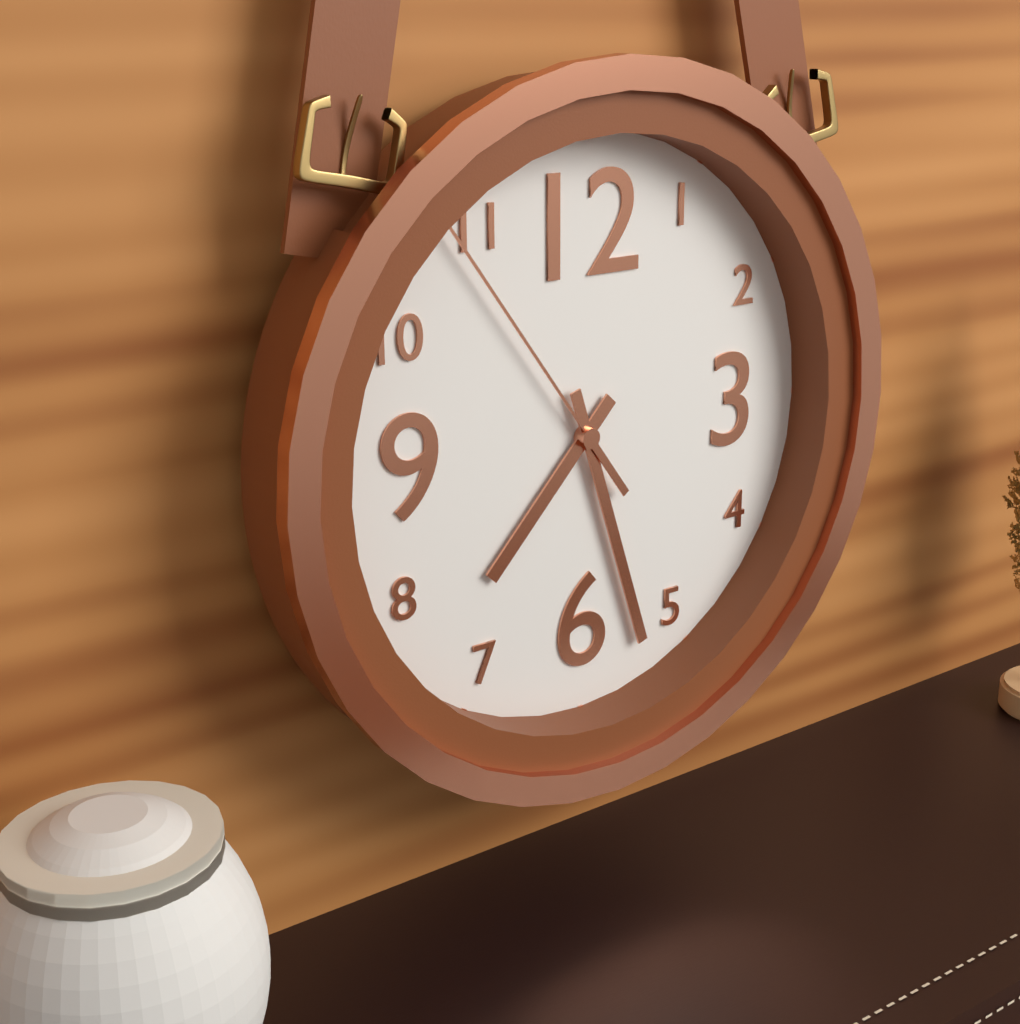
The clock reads **7:27:54**
